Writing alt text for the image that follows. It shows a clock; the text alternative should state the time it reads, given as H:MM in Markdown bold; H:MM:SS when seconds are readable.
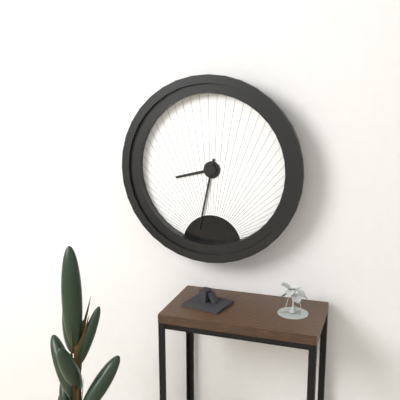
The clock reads **8:32**
